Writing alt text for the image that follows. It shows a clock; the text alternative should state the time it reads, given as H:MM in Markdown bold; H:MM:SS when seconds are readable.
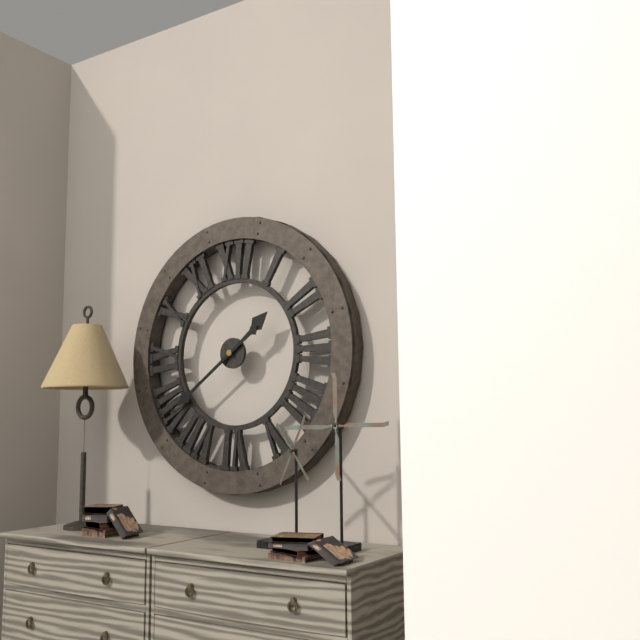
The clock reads **1:39**
